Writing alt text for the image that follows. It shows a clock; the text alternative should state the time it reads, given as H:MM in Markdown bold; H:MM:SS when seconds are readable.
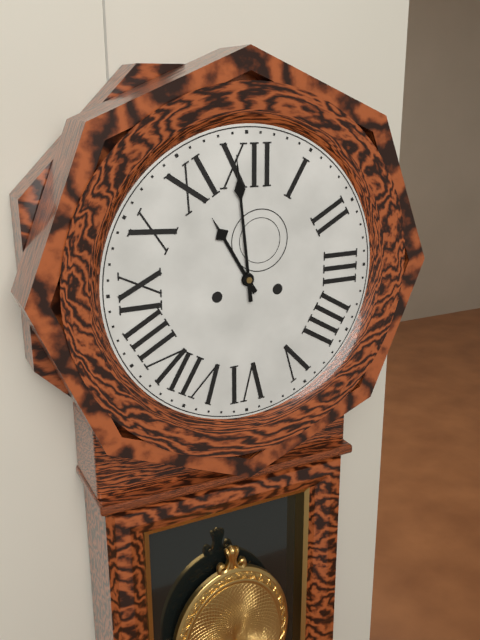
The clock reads **10:59**
